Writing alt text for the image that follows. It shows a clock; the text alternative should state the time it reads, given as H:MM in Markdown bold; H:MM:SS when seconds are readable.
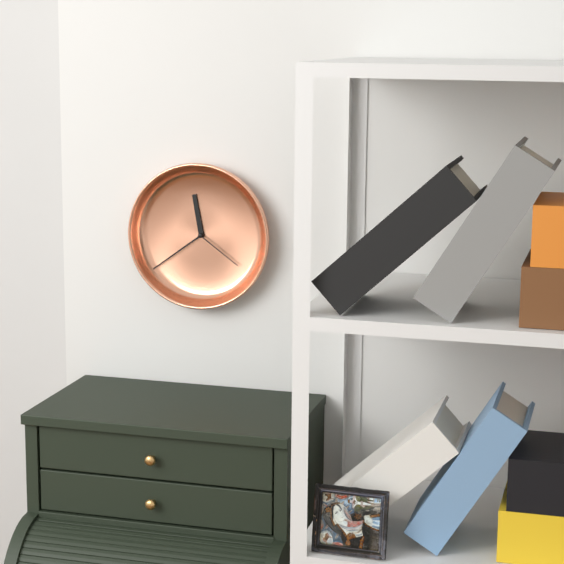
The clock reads **11:39:21**
